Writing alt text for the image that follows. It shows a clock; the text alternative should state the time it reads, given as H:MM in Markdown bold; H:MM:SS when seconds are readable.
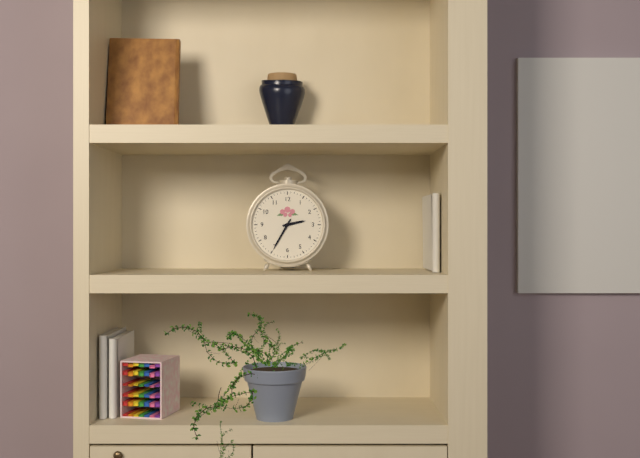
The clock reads **2:35**
